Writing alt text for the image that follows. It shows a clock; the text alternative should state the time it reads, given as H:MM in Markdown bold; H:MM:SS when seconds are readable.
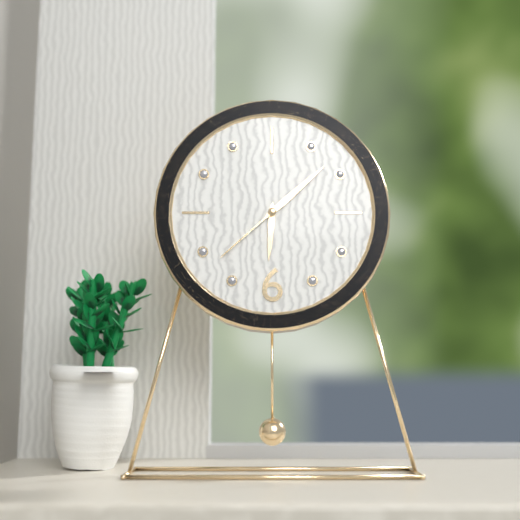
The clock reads **6:08:38**
